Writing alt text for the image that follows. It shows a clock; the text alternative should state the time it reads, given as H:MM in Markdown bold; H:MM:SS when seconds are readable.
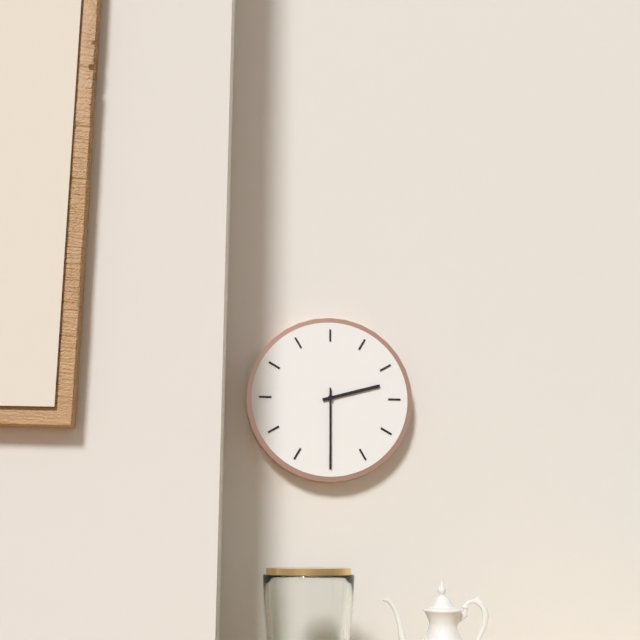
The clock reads **2:30**
